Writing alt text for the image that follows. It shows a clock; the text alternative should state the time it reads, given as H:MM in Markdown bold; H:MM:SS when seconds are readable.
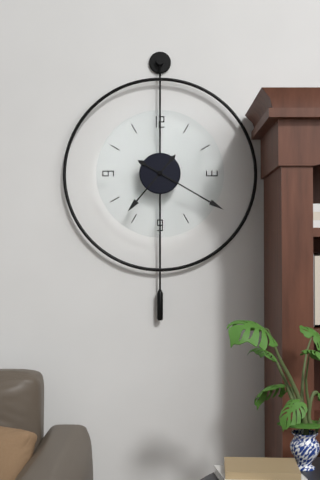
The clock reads **7:20**
